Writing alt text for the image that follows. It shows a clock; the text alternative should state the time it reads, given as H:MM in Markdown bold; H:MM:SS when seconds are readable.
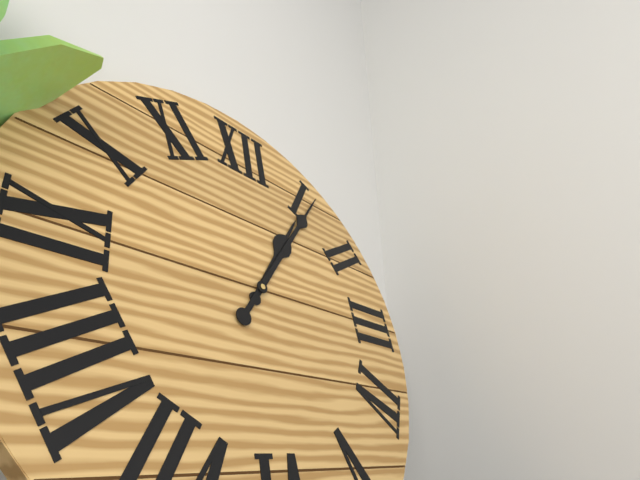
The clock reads **1:06**
